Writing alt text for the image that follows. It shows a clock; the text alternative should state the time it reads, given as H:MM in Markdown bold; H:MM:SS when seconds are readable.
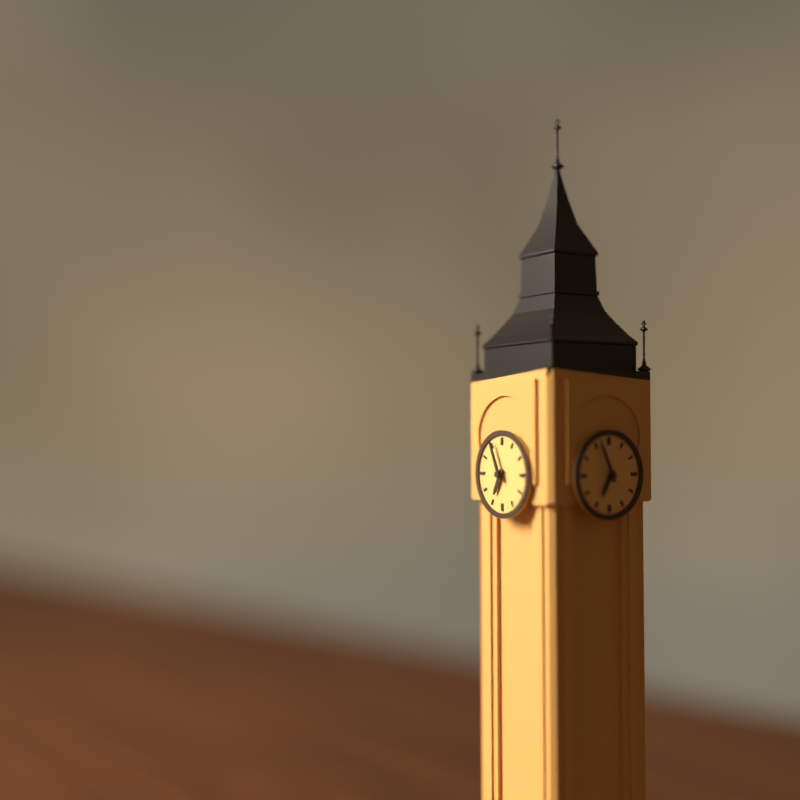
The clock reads **6:56**
